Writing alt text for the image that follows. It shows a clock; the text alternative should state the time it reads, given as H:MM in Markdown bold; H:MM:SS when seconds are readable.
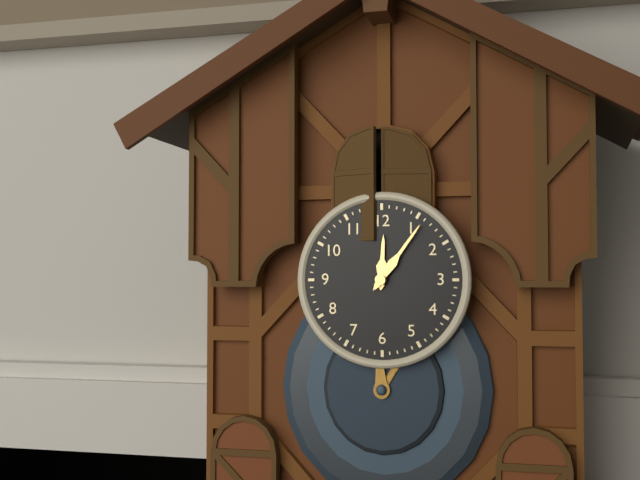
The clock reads **12:06**
